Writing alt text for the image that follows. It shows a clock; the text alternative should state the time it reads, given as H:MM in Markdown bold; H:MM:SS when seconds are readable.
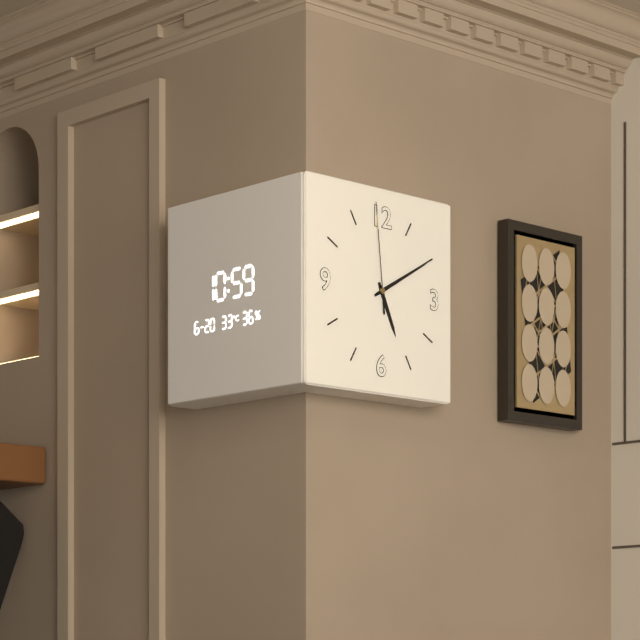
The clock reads **5:10:59**
